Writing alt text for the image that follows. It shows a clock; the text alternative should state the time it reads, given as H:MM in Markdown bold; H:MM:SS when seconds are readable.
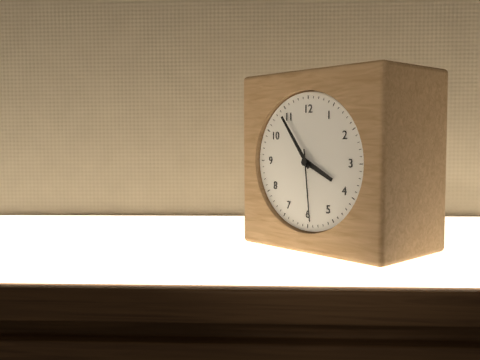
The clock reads **3:54:29**
